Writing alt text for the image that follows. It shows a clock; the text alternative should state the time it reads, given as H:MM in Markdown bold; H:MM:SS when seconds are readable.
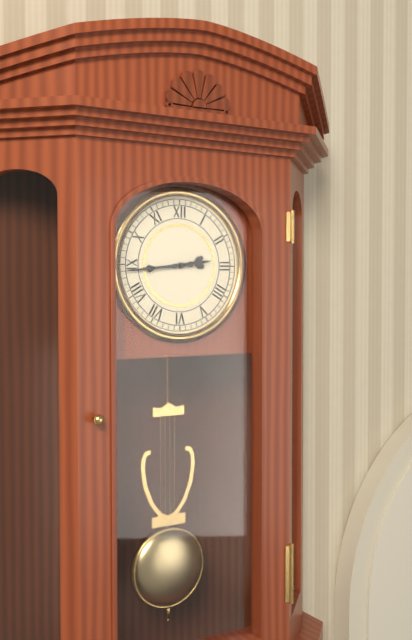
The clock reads **2:44**
